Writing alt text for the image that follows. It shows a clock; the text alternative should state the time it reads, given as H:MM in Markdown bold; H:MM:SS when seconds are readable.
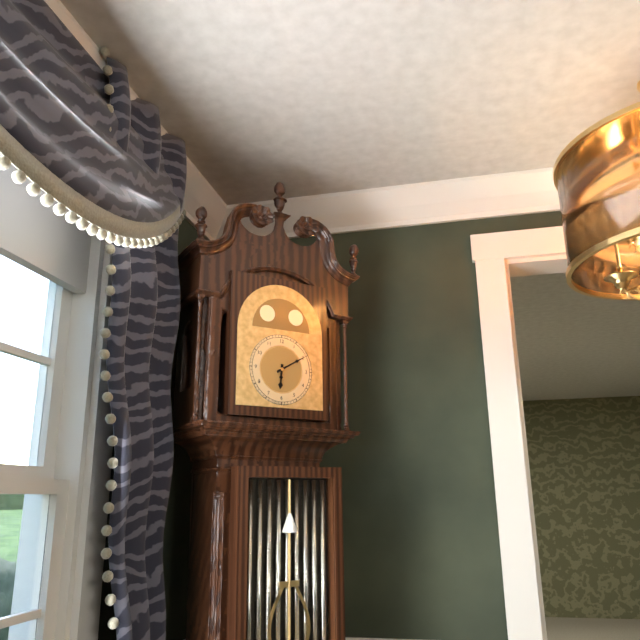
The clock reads **6:10**
